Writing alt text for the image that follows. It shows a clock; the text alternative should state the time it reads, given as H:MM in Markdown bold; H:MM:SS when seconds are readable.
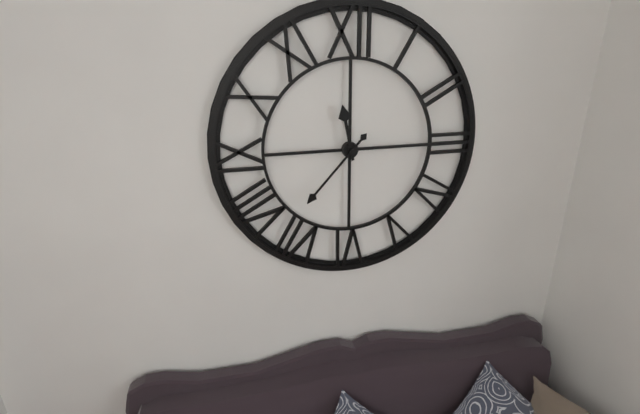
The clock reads **11:37**
